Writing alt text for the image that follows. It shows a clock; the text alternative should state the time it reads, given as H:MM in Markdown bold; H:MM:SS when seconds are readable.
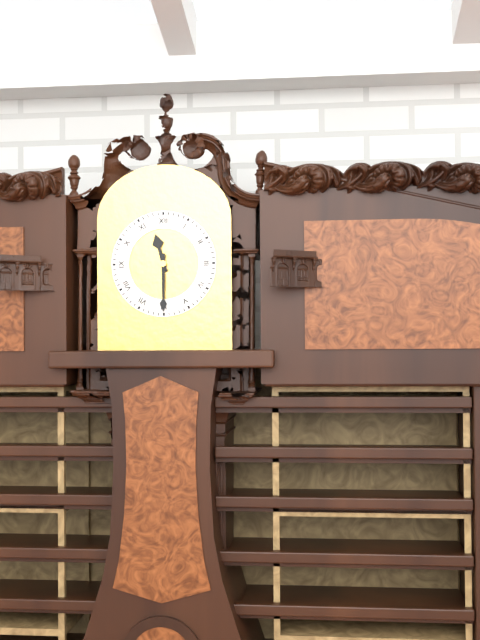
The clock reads **11:30**
